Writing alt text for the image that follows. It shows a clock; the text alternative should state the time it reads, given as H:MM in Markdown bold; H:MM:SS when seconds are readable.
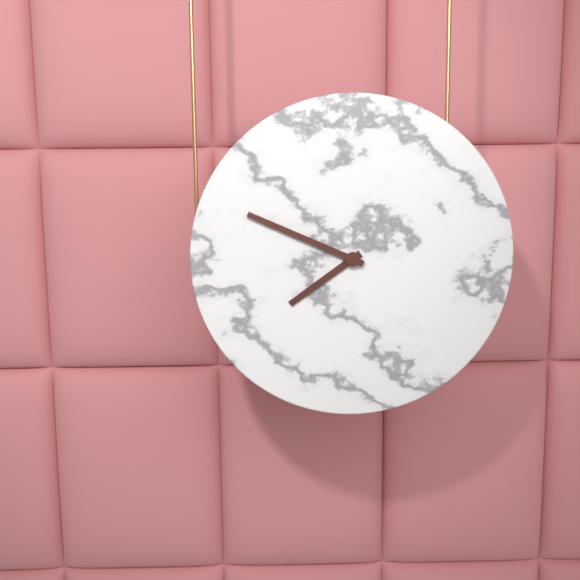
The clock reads **7:49**
